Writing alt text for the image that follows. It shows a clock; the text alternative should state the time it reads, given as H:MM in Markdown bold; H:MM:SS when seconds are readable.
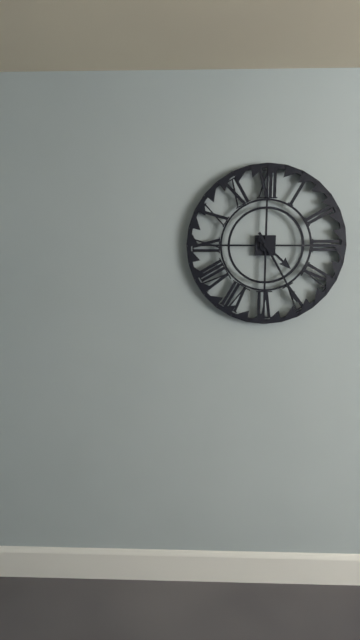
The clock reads **4:25**
